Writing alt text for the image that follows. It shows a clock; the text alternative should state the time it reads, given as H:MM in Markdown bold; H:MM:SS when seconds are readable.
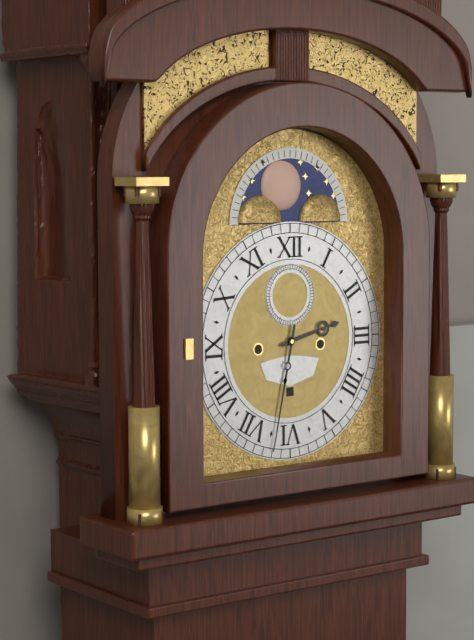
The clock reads **2:32**
